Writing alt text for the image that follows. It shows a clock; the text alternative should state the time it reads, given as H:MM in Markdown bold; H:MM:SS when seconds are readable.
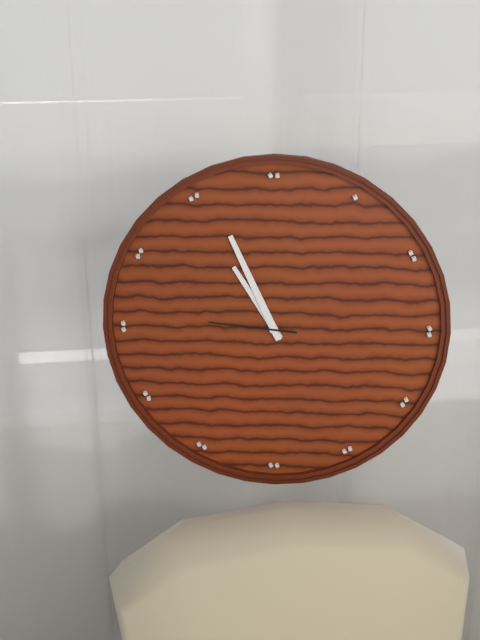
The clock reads **10:56:46**
